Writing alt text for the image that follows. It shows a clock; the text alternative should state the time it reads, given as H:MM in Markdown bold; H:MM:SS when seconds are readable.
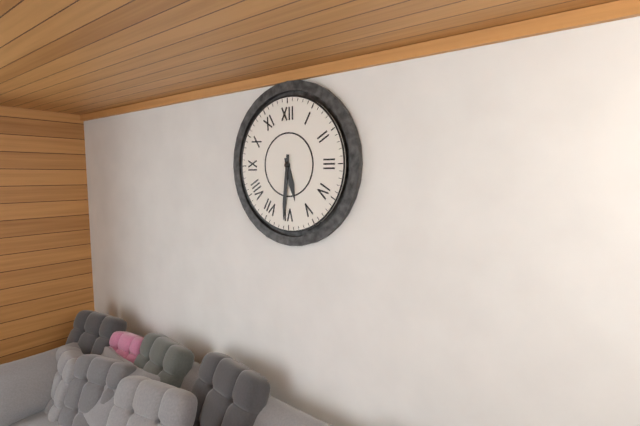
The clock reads **5:31**
